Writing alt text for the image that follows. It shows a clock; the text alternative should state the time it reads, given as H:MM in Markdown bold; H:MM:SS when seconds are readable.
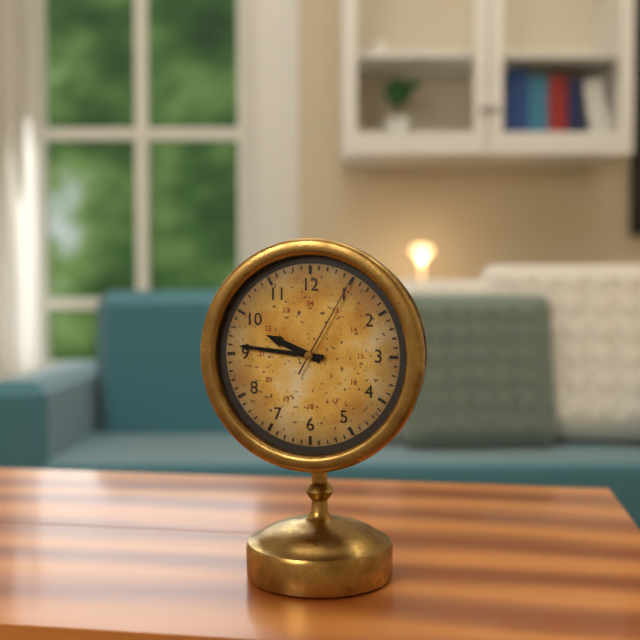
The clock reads **9:46:05**
